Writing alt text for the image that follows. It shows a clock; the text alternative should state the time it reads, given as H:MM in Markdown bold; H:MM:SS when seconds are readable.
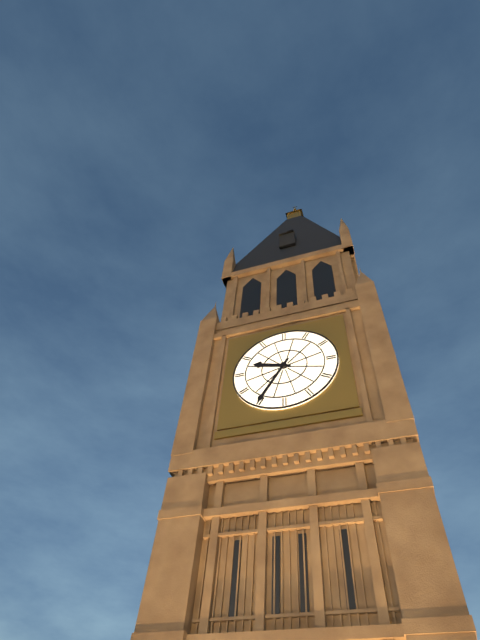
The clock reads **9:35**
